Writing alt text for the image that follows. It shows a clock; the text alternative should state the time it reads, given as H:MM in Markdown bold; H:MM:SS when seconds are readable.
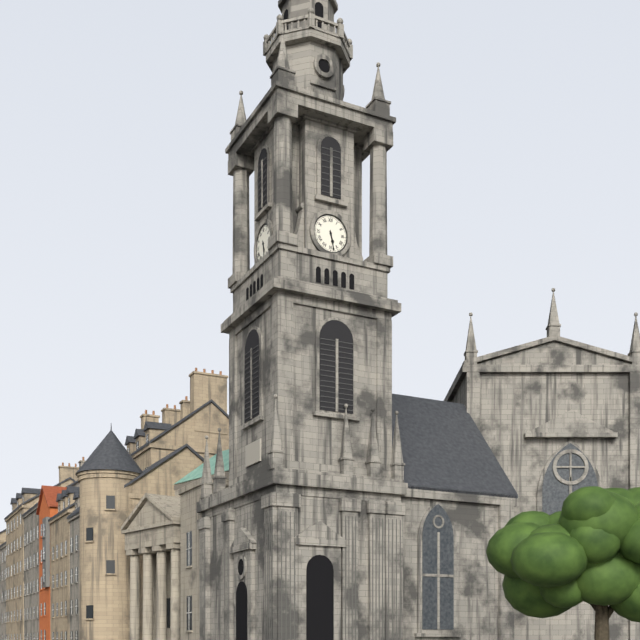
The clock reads **5:28**
